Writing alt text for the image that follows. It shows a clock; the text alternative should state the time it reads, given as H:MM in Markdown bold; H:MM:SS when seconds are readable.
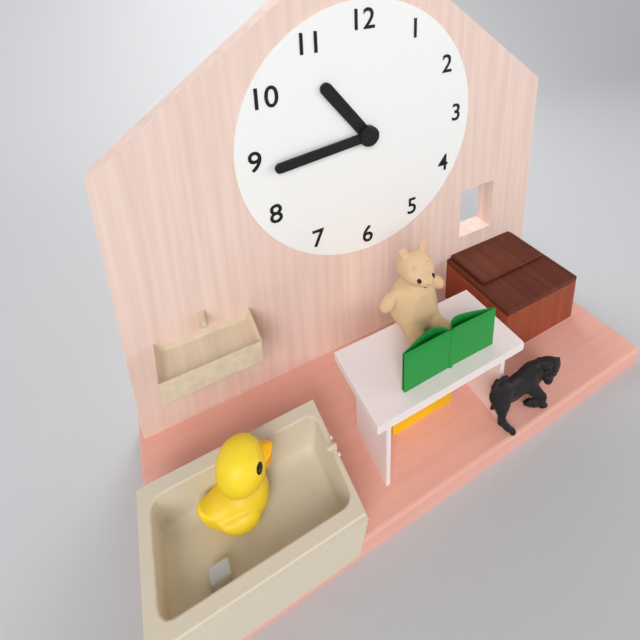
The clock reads **10:44**
